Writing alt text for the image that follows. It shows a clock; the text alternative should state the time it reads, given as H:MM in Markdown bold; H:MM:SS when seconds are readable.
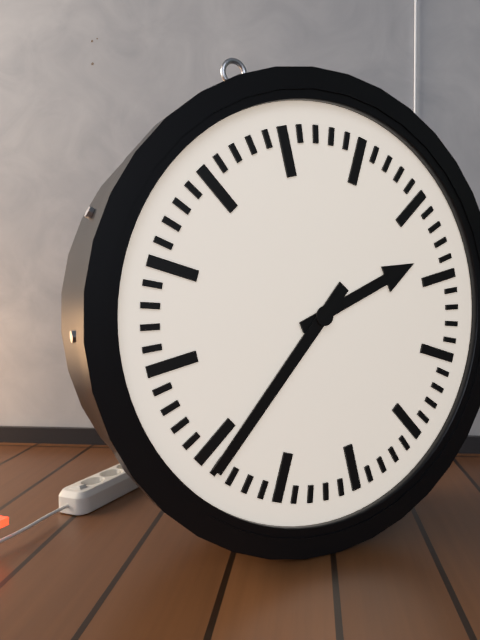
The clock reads **2:39**
